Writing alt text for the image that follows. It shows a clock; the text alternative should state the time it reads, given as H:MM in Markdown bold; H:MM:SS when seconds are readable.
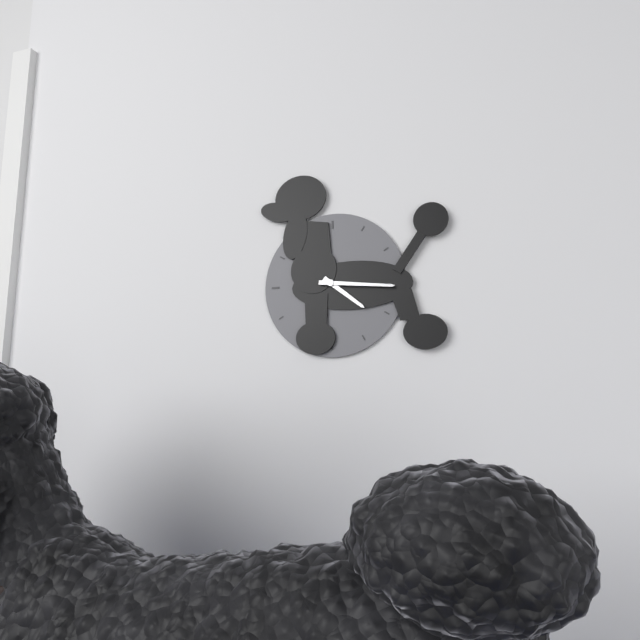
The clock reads **4:16**
